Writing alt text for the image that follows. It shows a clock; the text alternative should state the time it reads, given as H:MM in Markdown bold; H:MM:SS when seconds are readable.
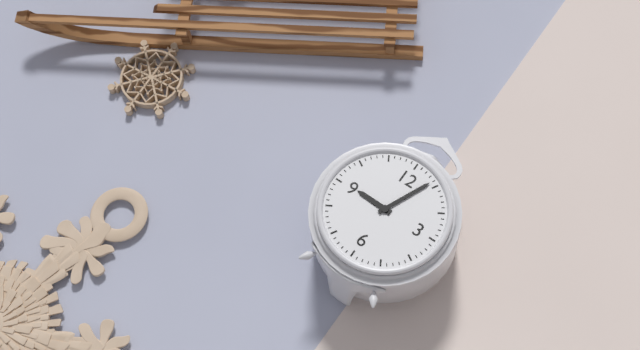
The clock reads **9:04**
